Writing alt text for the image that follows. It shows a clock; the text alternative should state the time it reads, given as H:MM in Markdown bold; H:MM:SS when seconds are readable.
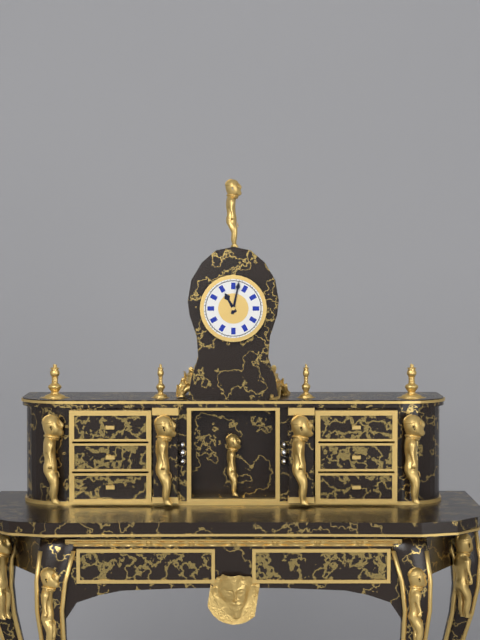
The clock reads **11:02**
